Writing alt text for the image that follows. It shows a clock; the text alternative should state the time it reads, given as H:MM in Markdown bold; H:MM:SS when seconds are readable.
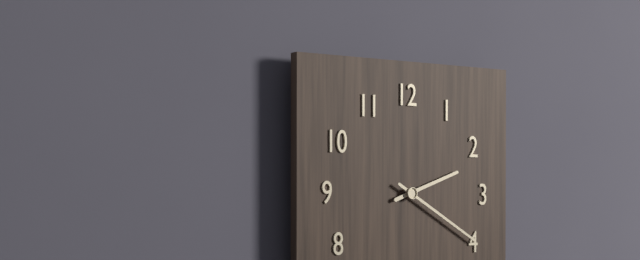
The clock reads **2:20**
